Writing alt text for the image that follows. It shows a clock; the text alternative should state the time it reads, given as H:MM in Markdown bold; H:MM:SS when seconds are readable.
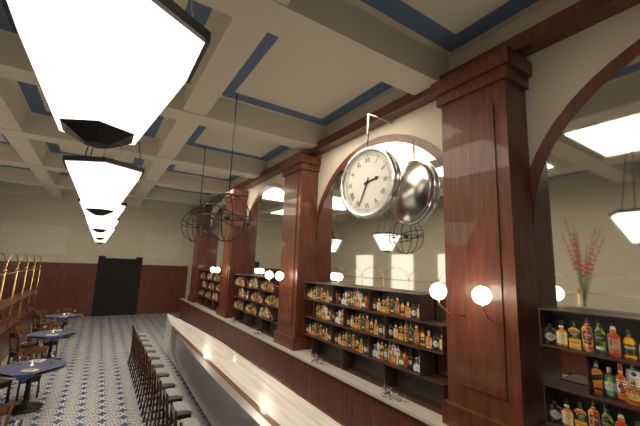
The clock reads **2:34**
